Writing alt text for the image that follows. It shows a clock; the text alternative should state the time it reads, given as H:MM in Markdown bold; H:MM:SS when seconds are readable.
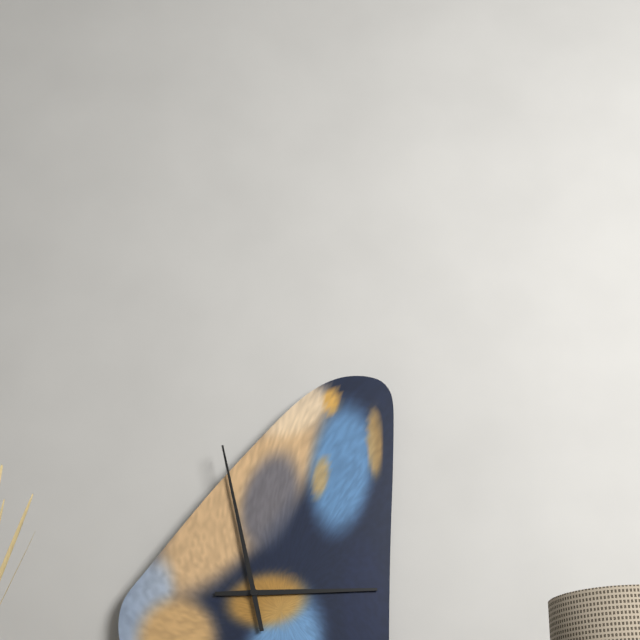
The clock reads **2:58**
